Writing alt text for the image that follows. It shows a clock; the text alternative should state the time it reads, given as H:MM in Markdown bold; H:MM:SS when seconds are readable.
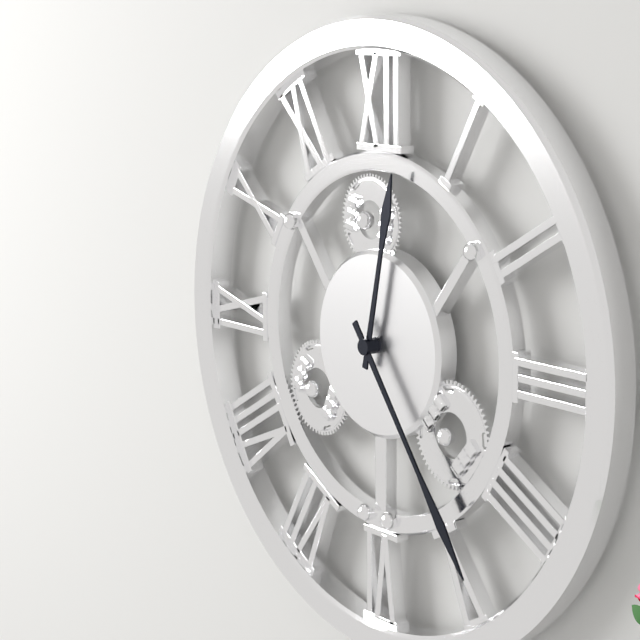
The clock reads **12:24**
